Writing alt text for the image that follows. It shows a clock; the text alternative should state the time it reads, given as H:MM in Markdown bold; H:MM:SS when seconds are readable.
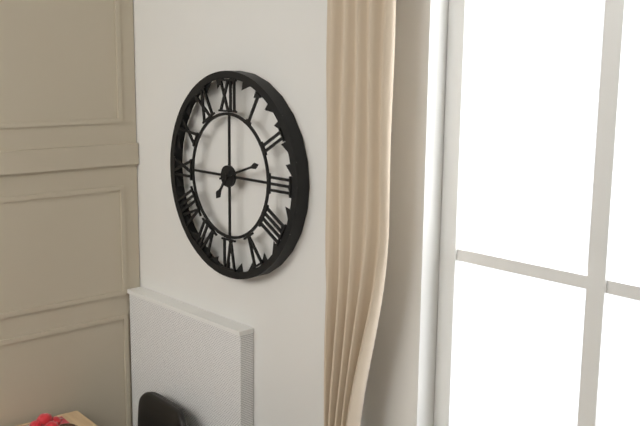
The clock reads **7:12**
